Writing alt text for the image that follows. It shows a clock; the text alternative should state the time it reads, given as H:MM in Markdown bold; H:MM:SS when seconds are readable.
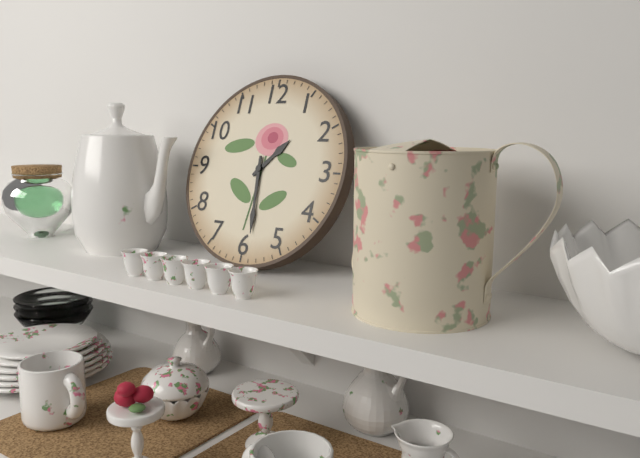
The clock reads **1:29**
